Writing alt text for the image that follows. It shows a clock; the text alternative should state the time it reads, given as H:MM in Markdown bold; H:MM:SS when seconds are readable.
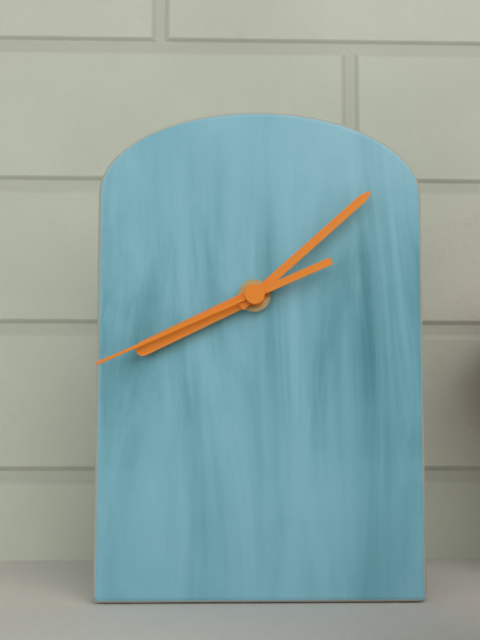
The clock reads **8:08:41**
